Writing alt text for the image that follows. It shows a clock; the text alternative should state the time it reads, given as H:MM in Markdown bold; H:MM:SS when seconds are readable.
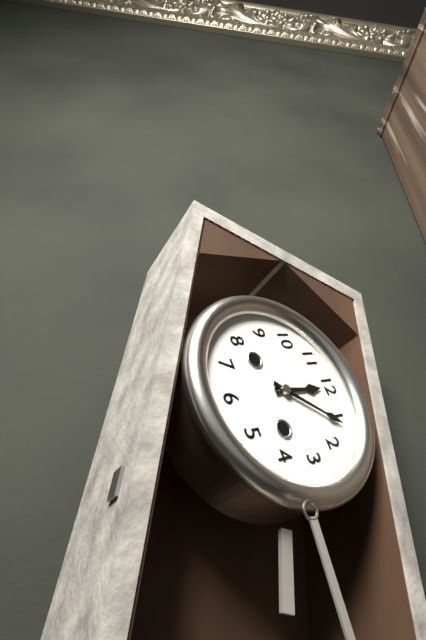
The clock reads **12:06**
